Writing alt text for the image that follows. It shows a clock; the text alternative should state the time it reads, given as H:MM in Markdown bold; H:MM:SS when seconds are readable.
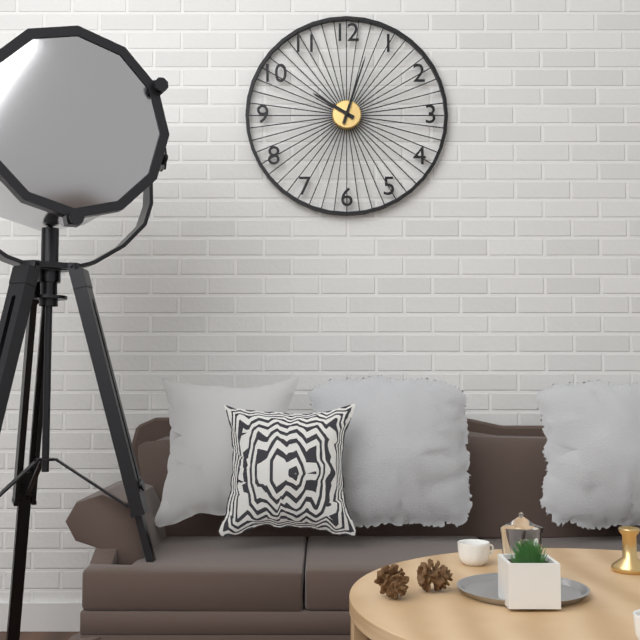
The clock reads **10:03**
